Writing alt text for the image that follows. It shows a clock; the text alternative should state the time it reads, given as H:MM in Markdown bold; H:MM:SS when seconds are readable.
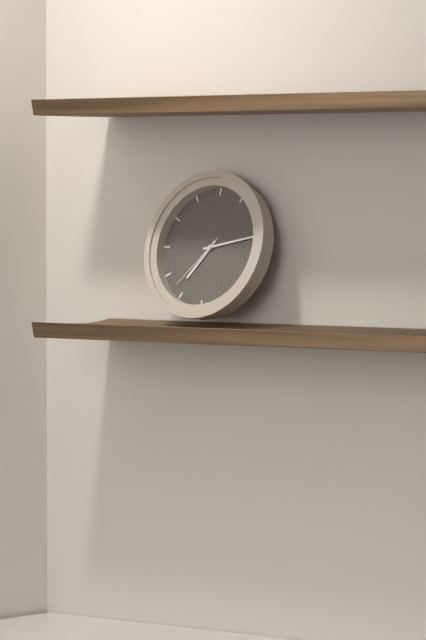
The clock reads **7:13:37**
